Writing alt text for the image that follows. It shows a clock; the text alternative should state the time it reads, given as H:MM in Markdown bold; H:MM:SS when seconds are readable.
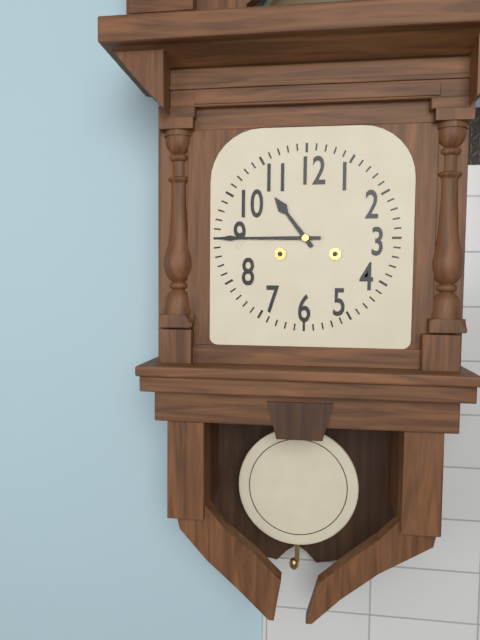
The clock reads **10:45**
